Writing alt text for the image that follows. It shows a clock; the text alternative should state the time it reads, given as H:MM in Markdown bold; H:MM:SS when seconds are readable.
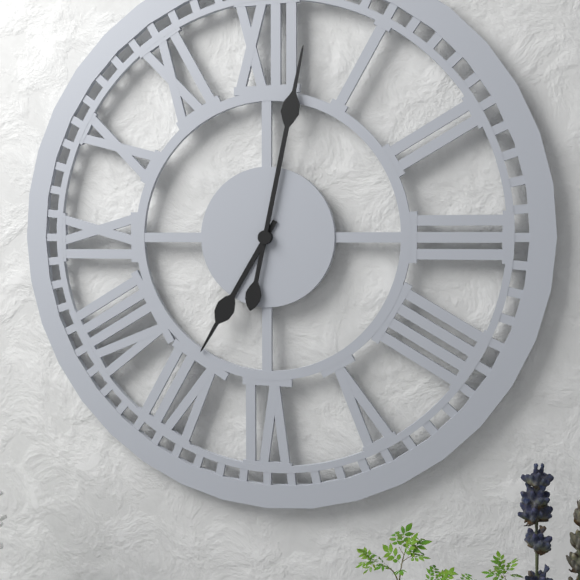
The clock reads **7:02**
